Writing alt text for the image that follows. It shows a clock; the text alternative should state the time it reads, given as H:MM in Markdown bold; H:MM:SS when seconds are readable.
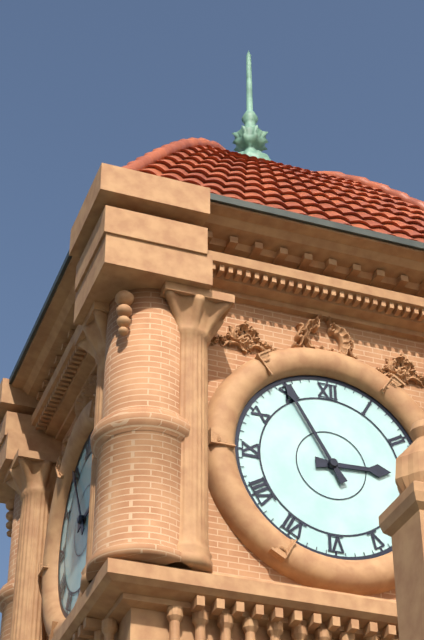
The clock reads **2:55**
